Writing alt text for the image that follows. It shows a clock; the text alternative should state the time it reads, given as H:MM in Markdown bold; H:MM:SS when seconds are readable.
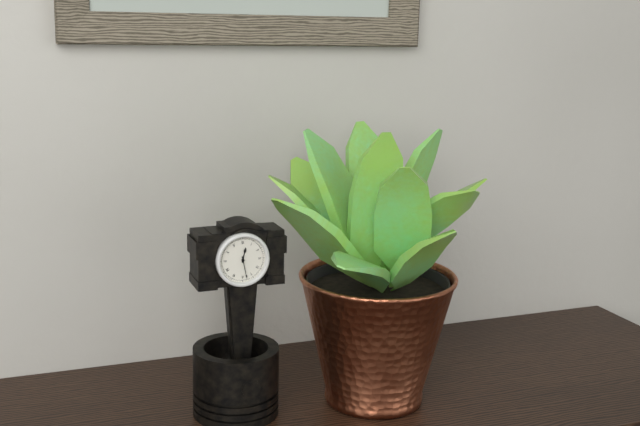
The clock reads **12:28**
